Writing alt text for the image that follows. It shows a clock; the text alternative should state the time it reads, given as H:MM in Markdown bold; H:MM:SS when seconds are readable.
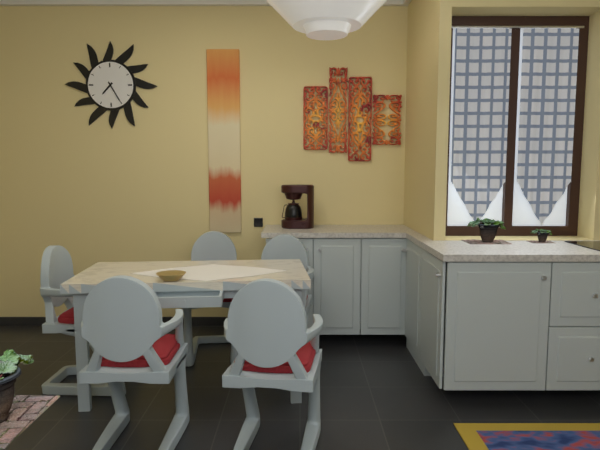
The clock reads **7:25**
